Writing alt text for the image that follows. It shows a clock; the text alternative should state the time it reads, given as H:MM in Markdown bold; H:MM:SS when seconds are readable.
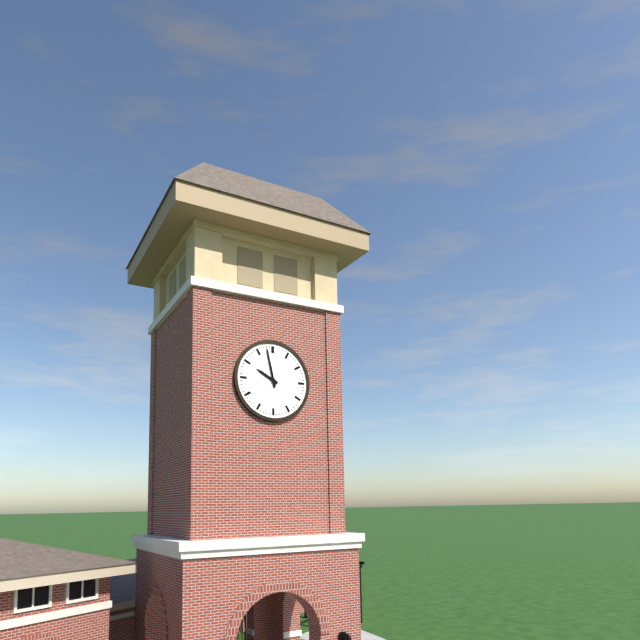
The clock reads **9:58**
